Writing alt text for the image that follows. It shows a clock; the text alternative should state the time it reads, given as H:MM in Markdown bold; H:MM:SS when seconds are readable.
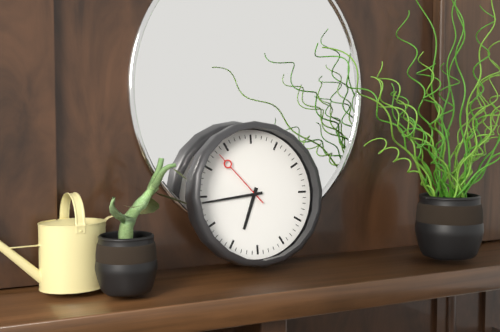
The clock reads **6:44:53**
